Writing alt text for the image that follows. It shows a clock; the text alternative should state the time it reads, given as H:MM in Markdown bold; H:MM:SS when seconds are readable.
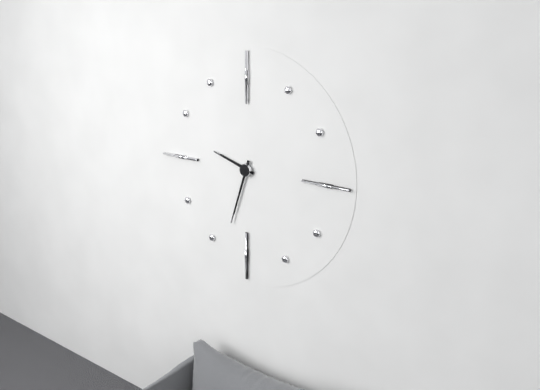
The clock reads **9:33**
